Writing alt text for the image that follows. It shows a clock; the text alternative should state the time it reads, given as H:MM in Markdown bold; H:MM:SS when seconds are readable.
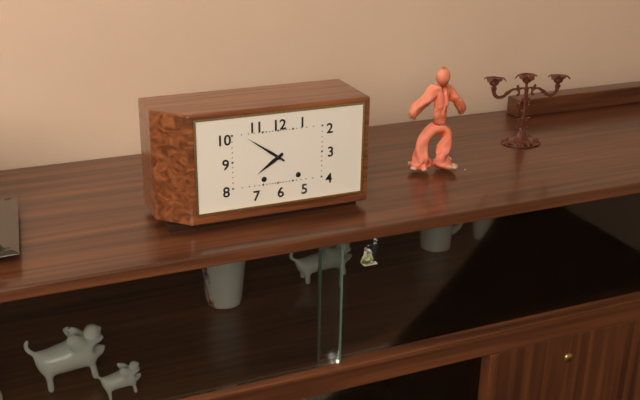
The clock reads **7:51**
